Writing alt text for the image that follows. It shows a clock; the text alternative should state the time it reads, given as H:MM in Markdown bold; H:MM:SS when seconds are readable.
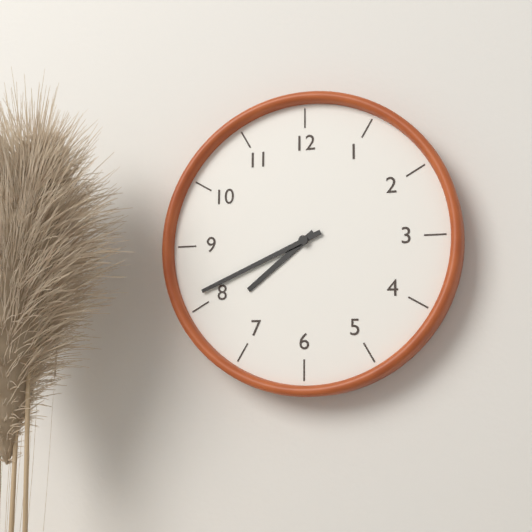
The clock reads **7:41**
